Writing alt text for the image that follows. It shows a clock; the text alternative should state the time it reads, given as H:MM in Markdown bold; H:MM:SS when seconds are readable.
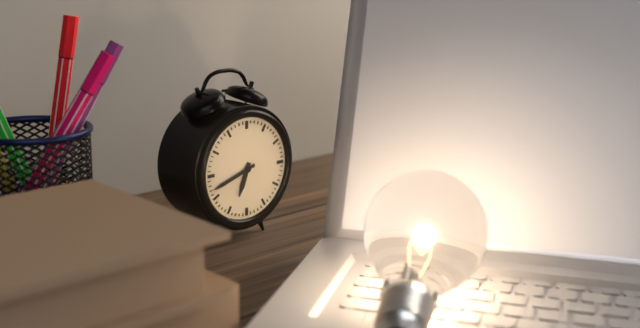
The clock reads **6:42**
